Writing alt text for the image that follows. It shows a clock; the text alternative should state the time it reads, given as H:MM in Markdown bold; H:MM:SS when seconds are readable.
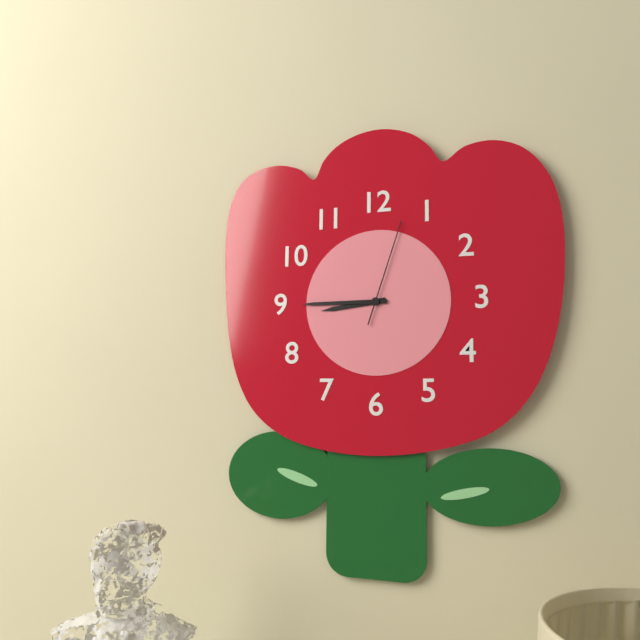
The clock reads **8:45:03**
